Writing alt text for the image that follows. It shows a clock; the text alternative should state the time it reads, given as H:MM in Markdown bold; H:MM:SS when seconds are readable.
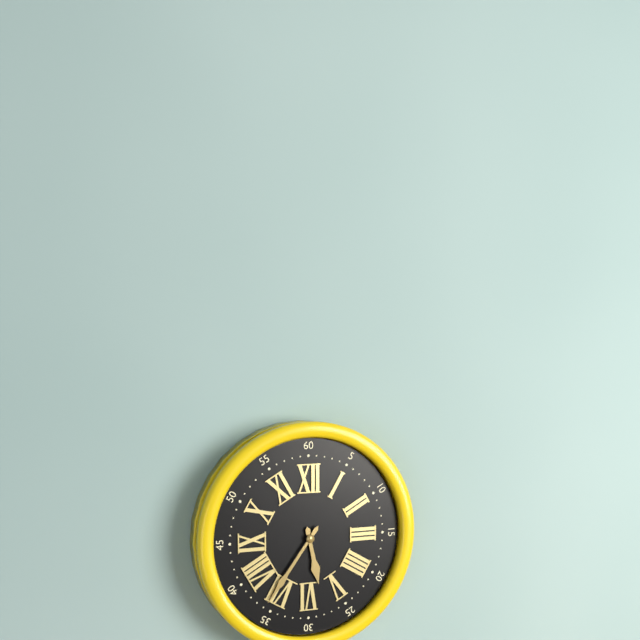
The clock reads **5:36**
